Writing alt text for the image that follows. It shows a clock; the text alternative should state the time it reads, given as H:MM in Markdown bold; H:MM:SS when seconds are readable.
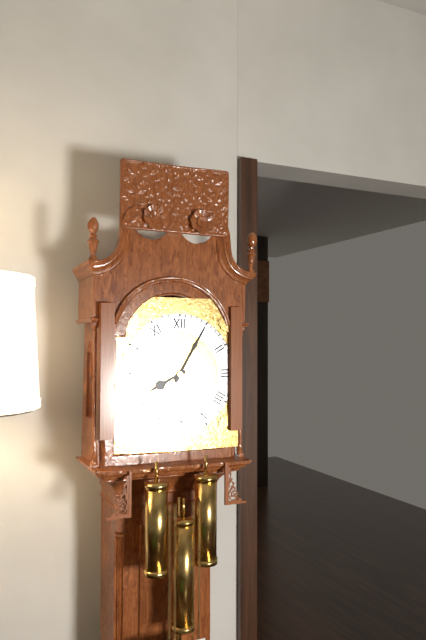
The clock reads **8:05**
